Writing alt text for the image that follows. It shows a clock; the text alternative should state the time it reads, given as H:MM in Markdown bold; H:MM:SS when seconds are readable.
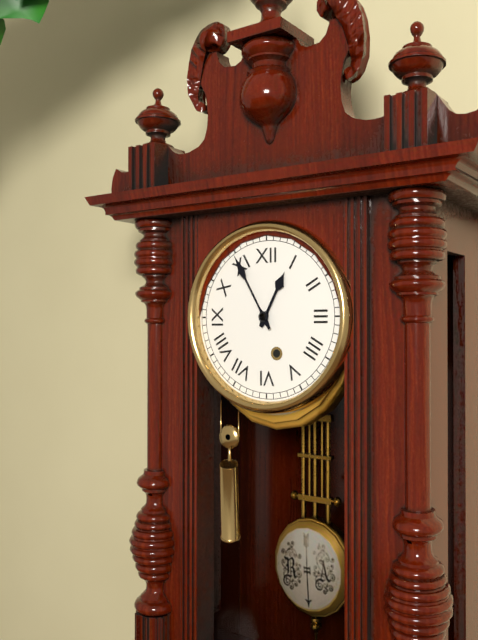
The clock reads **12:55**
